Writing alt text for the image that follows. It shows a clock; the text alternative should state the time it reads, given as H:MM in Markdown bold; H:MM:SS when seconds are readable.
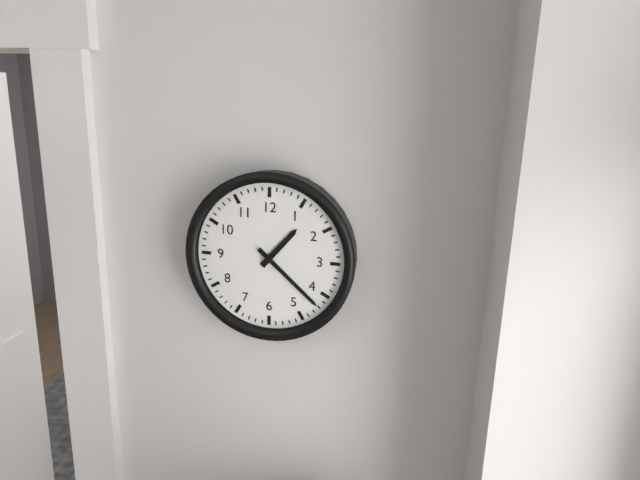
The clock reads **1:22**
